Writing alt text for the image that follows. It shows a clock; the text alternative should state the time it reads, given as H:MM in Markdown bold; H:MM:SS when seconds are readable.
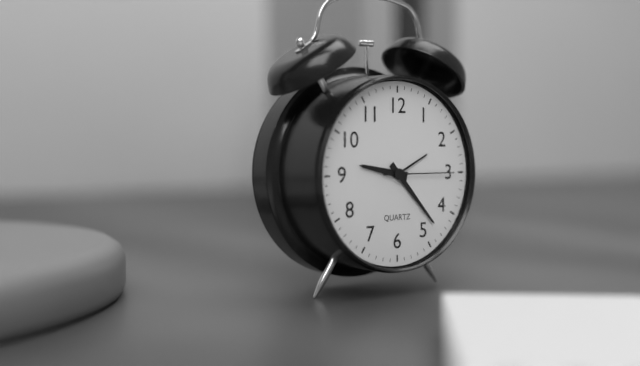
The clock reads **9:23:15**
